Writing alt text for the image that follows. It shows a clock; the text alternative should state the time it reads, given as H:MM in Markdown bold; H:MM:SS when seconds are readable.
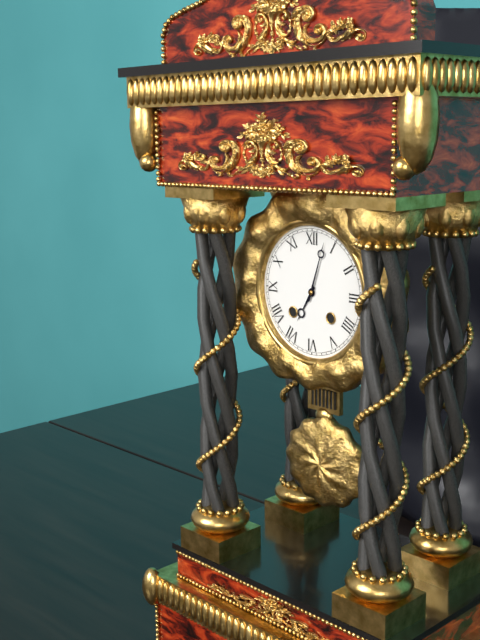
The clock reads **7:03**
